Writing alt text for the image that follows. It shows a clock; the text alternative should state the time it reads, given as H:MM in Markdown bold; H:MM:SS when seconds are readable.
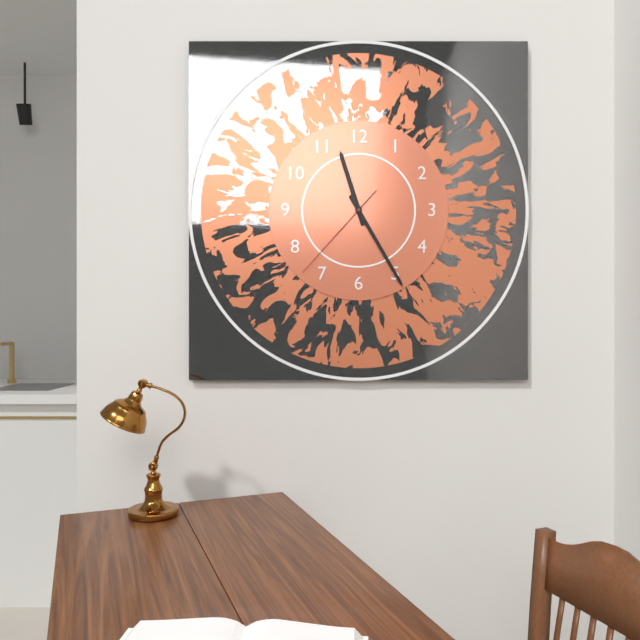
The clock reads **11:25:37**
